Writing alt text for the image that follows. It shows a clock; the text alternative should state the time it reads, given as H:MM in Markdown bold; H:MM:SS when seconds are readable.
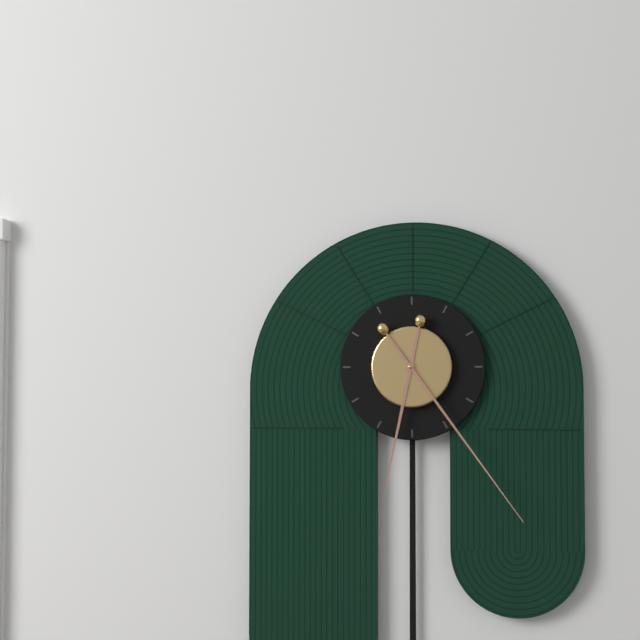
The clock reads **6:24**
